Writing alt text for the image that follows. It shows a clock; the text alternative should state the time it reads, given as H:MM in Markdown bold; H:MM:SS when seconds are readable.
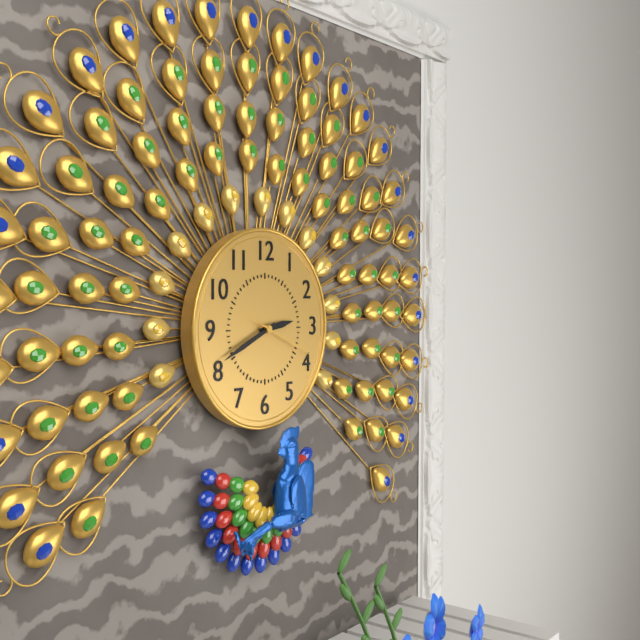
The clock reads **2:41:19**
